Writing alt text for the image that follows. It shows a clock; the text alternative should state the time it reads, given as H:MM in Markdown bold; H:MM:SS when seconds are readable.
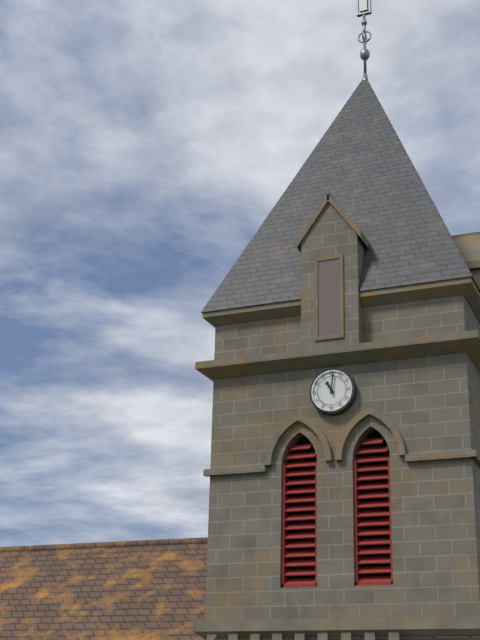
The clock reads **11:01**
